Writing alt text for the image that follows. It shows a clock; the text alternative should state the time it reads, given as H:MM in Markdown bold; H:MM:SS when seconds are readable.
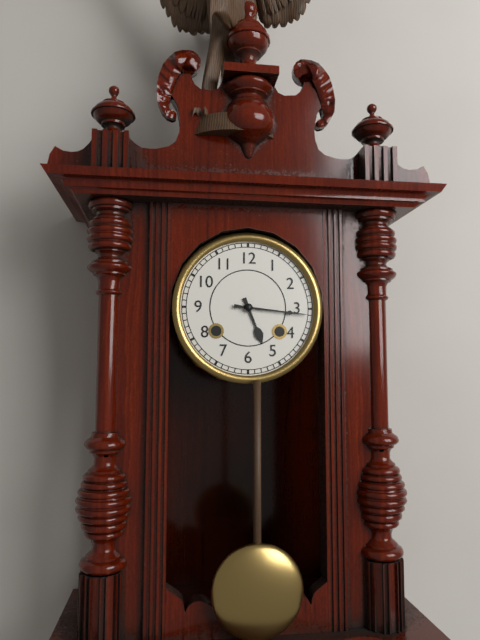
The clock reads **5:16**
